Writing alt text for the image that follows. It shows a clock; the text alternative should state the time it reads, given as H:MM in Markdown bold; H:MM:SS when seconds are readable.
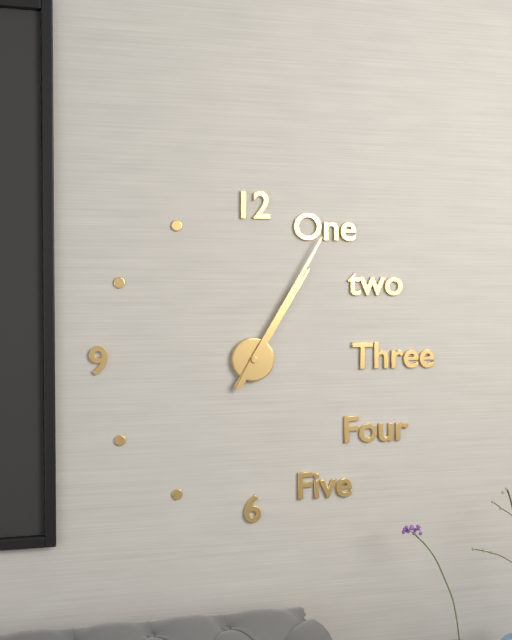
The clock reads **1:05**
